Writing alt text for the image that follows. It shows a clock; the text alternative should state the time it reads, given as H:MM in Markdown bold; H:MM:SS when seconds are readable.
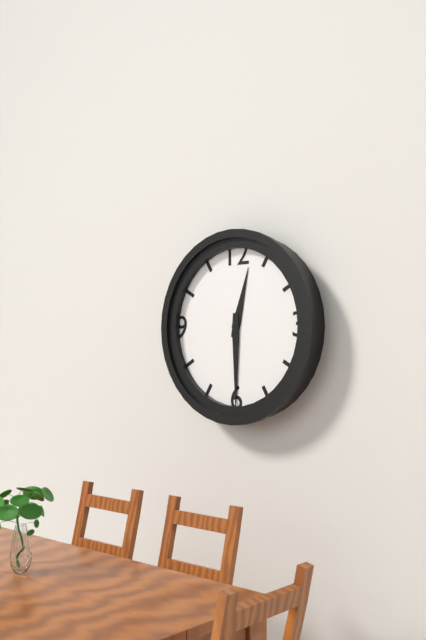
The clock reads **12:30**
